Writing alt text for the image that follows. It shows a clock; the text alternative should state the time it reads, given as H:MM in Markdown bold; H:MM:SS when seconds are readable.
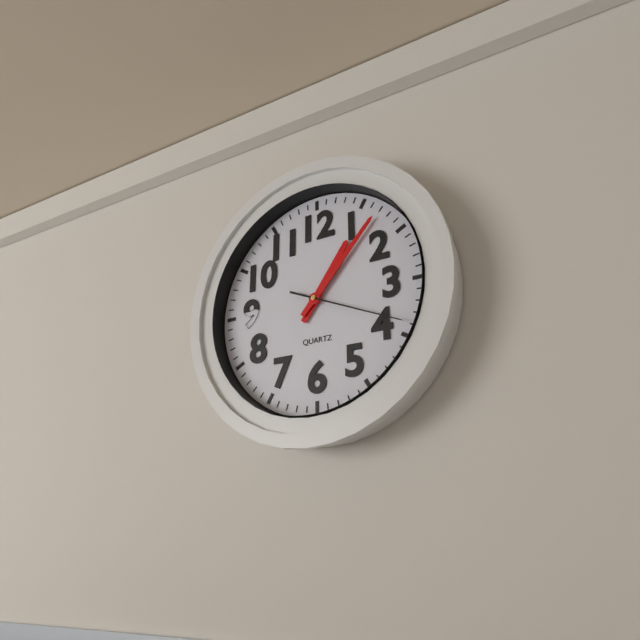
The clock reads **1:07:19**
